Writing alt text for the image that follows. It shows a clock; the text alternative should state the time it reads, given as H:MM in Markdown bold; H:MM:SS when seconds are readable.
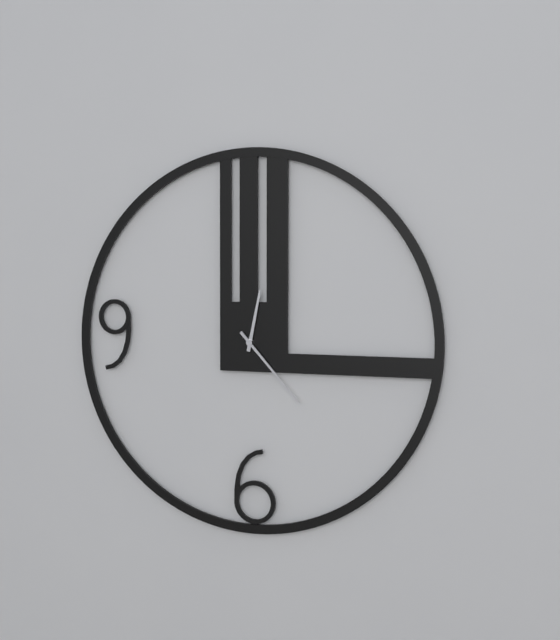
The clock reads **12:23**
